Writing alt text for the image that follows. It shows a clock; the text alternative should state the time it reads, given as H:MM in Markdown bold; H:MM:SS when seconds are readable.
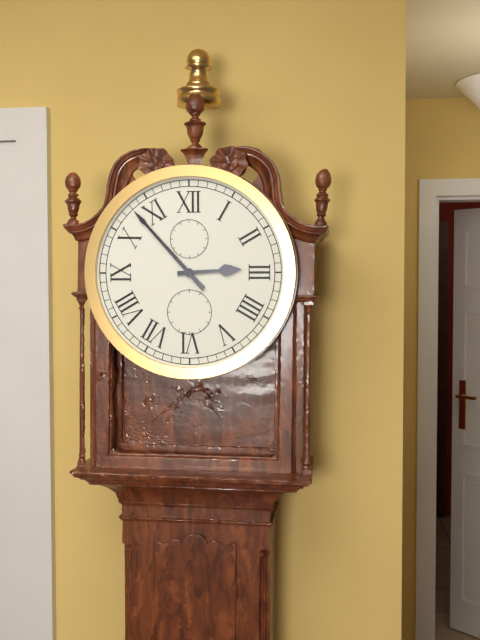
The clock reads **2:53**
